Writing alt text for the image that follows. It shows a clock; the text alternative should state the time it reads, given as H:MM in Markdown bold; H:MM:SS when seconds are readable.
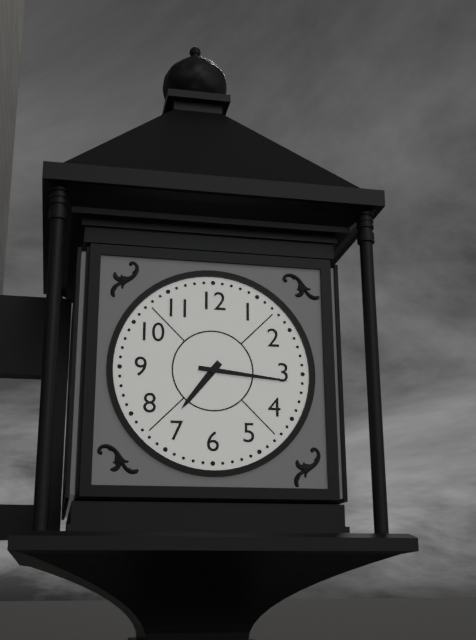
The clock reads **7:16**
